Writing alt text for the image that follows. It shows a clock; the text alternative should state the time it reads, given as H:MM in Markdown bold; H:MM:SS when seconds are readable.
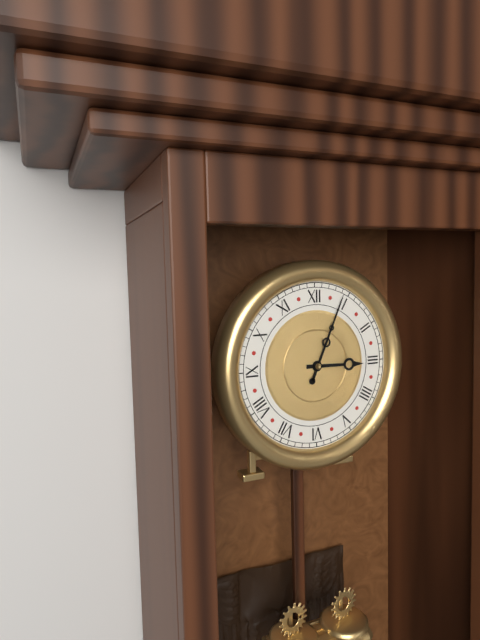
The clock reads **3:04**
